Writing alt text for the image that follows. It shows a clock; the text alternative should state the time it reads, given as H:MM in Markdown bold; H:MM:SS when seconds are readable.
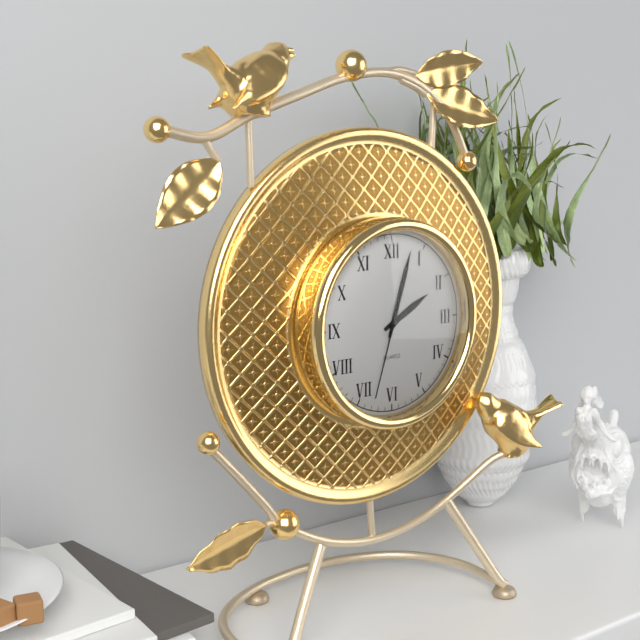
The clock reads **2:03:33**
